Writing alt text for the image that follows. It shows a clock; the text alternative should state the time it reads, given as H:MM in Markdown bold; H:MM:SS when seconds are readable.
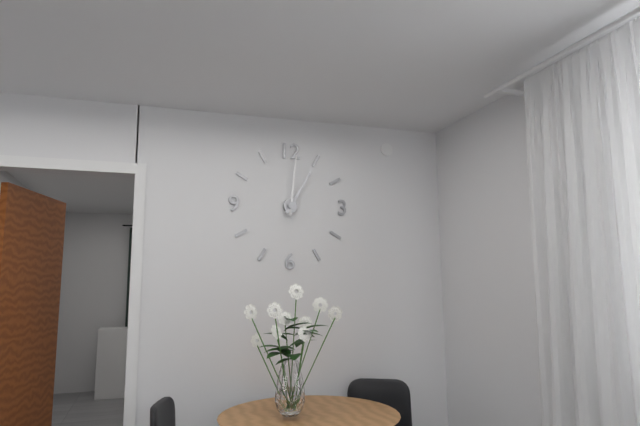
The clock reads **1:01**
